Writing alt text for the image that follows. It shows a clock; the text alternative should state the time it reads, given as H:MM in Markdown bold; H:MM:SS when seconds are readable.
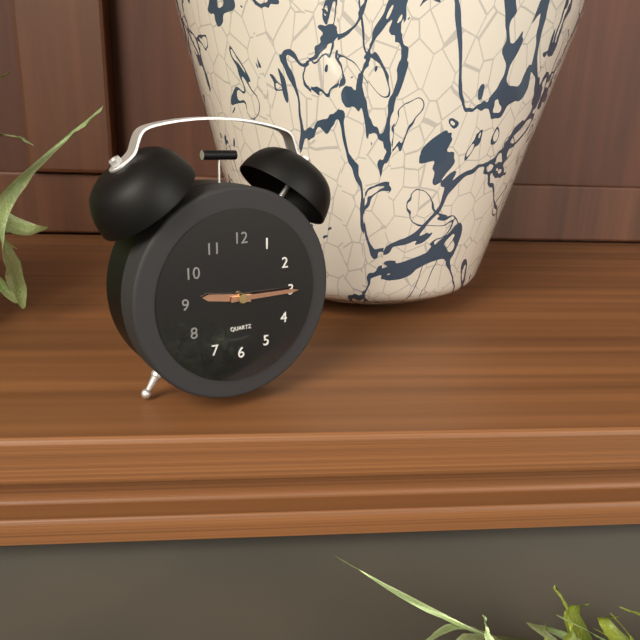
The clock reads **9:15**
